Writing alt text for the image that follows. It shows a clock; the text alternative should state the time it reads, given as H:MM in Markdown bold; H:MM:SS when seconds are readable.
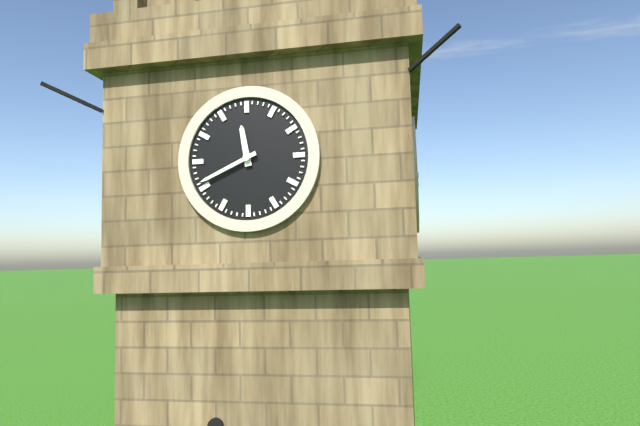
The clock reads **11:41**
